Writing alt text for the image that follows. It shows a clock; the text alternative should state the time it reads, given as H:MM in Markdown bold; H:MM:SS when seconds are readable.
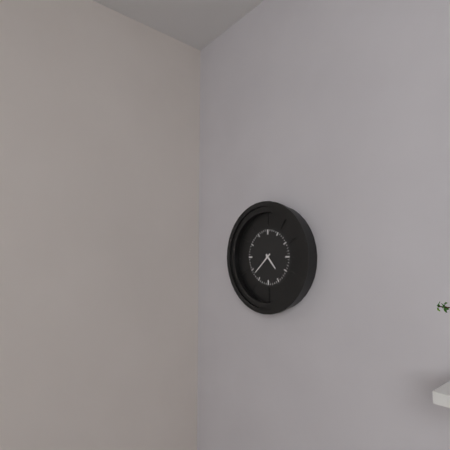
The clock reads **4:38**
